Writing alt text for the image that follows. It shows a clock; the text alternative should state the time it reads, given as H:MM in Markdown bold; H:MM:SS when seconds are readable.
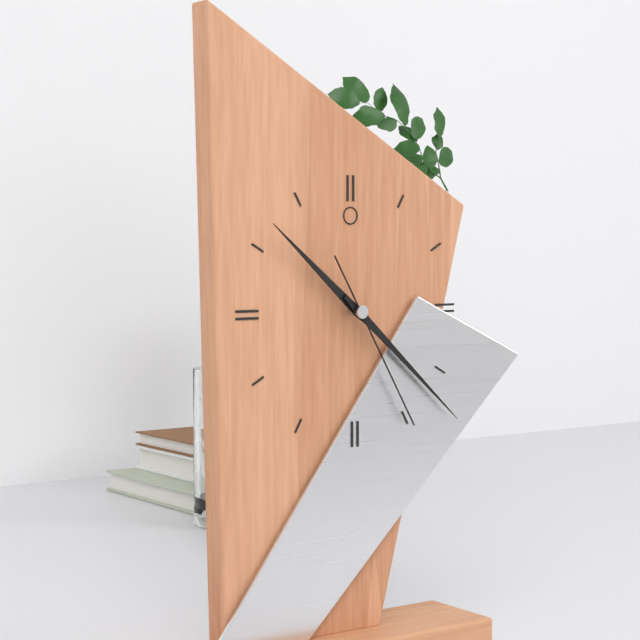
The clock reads **10:22:25**
